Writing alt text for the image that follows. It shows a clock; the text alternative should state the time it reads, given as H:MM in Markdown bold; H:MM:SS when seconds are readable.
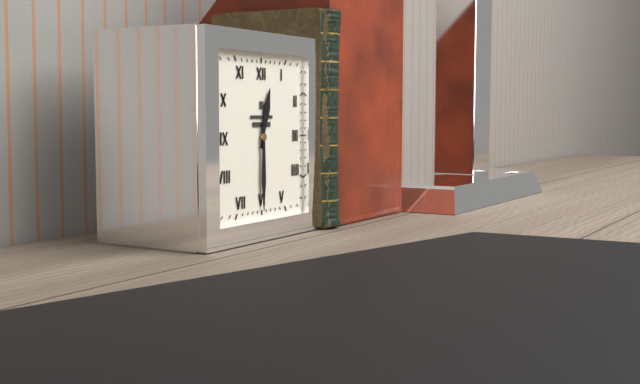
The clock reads **12:30**
